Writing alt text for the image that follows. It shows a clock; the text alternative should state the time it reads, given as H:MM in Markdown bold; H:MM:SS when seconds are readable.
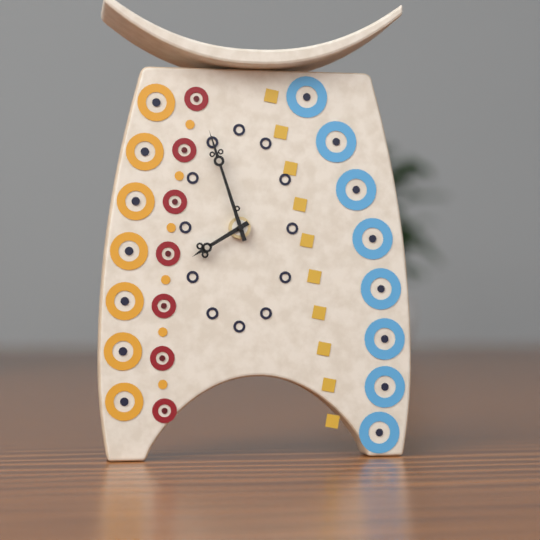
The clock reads **7:57**
